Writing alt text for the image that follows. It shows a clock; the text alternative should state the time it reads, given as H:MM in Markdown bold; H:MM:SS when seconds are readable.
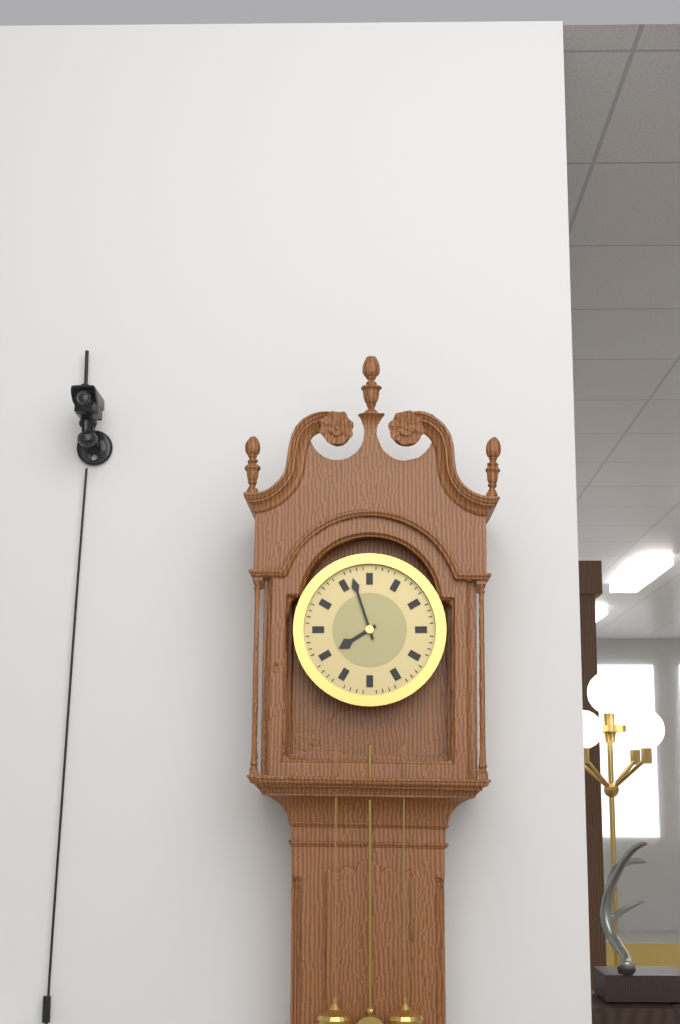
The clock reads **7:57**
